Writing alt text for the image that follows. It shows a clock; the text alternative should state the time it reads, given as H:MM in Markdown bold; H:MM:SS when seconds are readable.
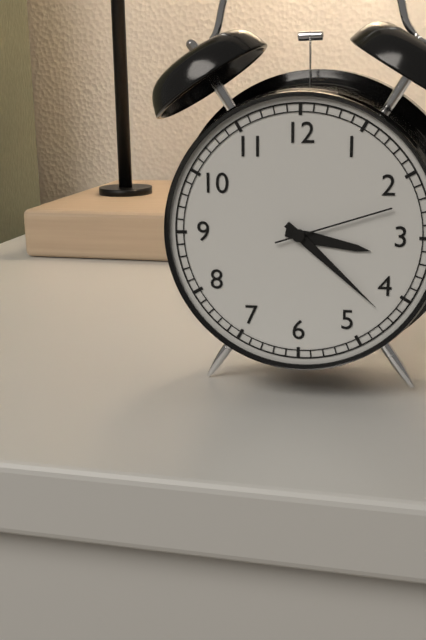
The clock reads **3:22:12**
